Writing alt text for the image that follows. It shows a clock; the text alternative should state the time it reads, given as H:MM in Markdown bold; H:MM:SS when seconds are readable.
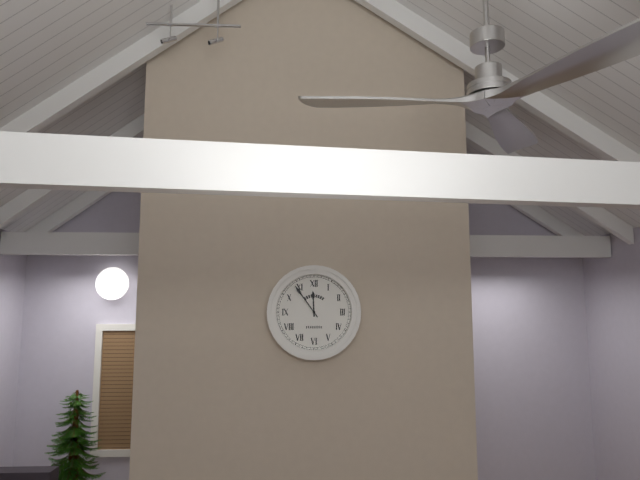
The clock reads **11:54**
